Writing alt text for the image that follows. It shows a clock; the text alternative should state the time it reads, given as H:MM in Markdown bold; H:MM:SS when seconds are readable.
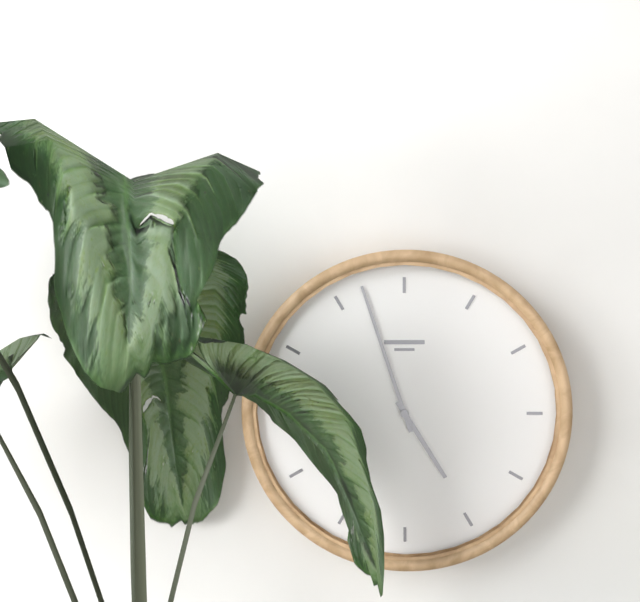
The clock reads **4:57**
